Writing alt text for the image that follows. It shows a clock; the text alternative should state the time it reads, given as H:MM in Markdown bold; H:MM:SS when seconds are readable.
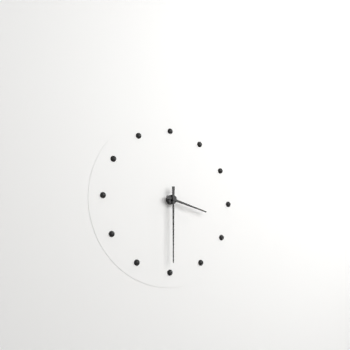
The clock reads **3:30**
